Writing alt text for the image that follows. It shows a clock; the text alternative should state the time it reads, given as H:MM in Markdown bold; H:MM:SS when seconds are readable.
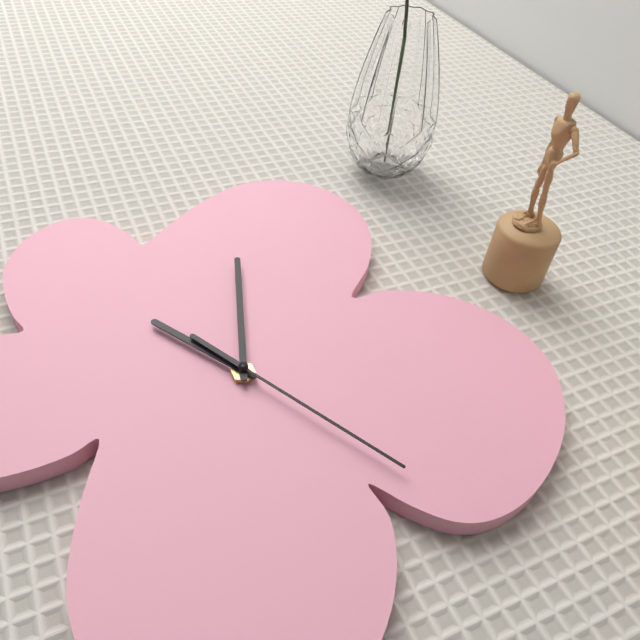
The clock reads **8:53:15**
